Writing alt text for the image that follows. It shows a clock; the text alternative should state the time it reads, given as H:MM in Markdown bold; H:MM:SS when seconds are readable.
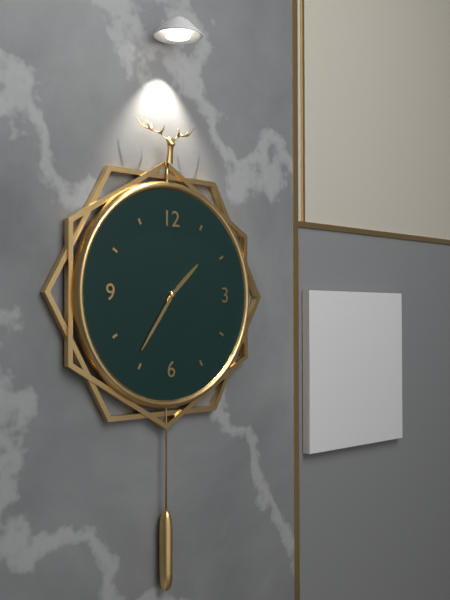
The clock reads **1:36**
